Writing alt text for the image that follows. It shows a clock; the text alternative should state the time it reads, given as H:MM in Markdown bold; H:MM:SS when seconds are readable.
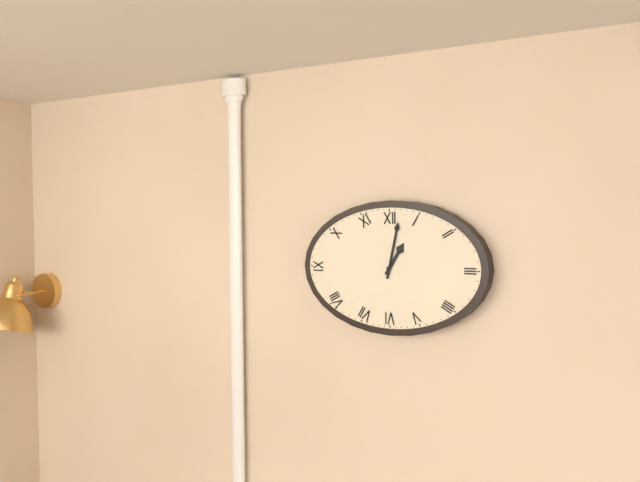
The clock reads **1:02**
